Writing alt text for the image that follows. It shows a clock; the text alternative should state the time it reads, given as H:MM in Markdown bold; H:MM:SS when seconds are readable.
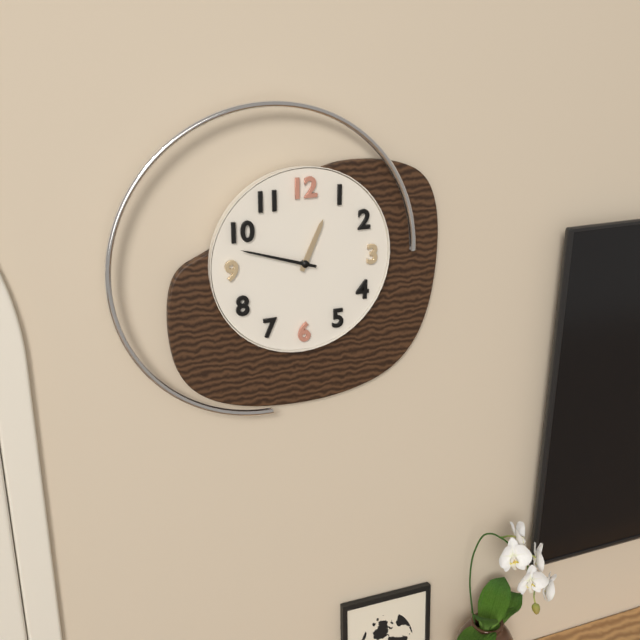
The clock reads **12:48**
